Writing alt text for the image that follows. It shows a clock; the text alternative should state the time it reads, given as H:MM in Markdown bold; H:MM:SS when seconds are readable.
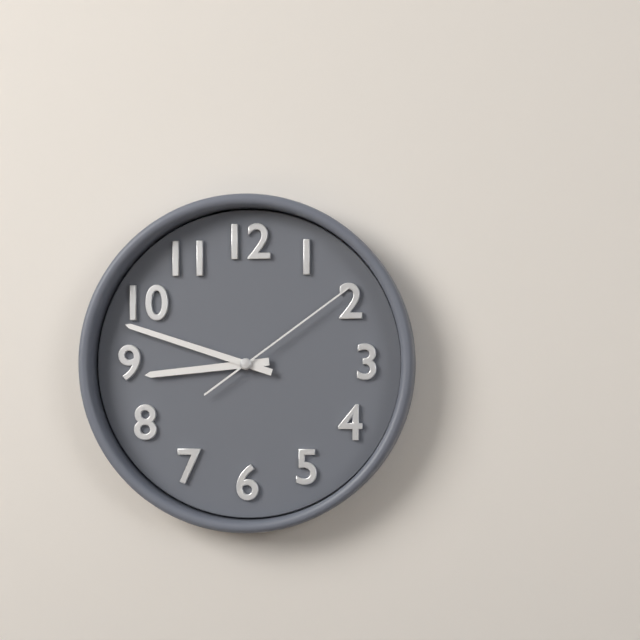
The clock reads **8:48:09**
